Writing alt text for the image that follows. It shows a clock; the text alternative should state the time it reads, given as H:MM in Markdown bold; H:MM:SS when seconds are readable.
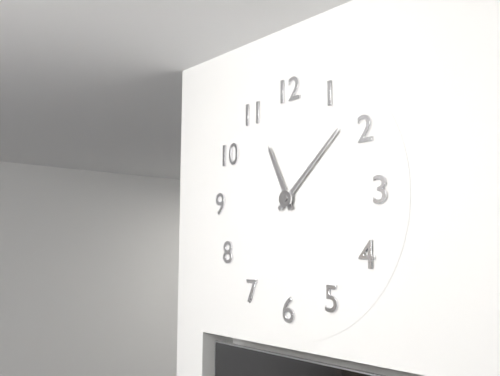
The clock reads **11:08**
